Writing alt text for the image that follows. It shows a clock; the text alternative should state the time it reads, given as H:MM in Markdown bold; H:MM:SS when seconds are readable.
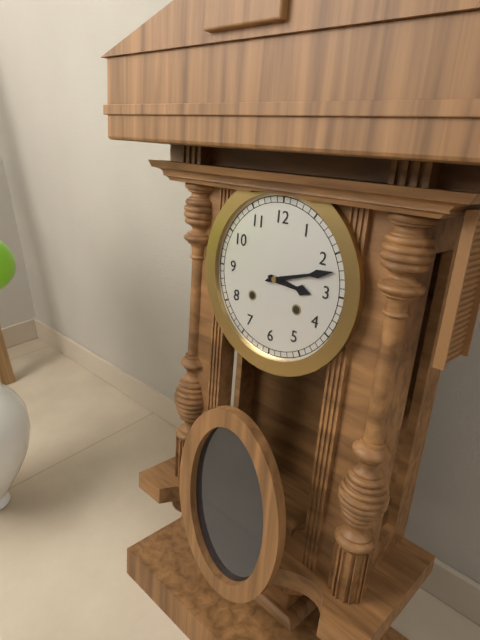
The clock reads **3:12**
